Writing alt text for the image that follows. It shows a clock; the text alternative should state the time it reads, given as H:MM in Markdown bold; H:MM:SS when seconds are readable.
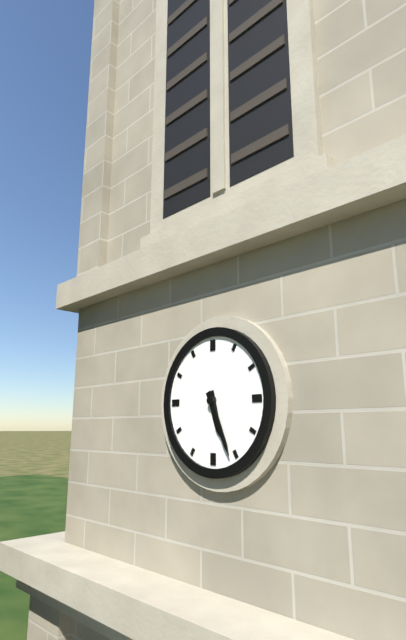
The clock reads **5:26**
